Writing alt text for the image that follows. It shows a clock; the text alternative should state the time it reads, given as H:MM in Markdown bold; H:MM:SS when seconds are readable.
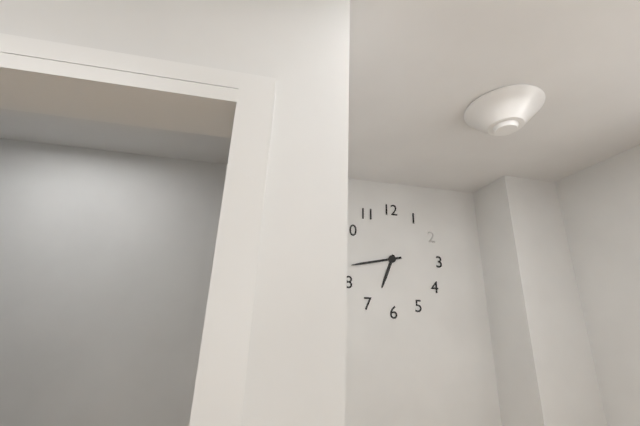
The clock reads **6:43**
